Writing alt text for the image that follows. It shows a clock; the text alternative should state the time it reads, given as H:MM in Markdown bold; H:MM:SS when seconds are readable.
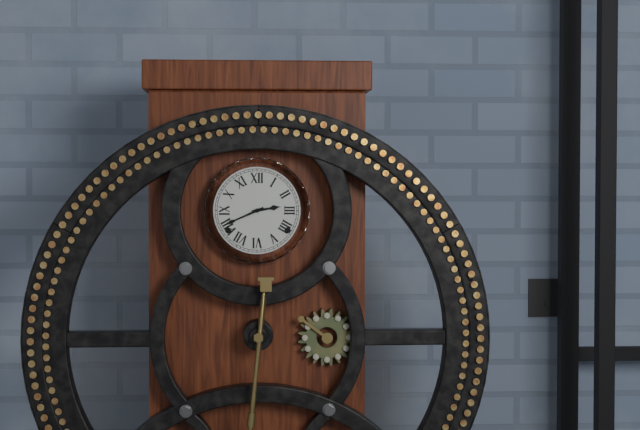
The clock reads **2:41**
